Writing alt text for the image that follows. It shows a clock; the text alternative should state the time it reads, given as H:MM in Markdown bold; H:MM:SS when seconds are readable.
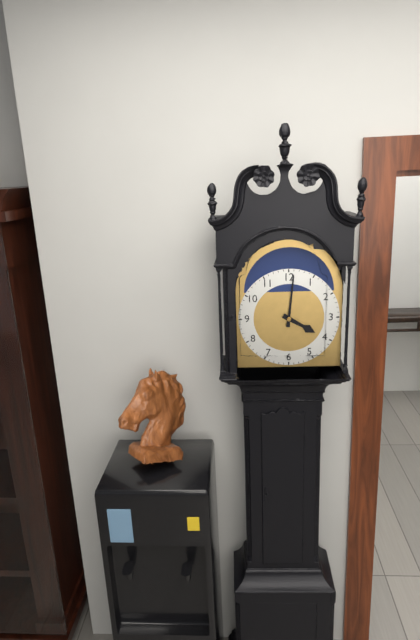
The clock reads **4:01**
